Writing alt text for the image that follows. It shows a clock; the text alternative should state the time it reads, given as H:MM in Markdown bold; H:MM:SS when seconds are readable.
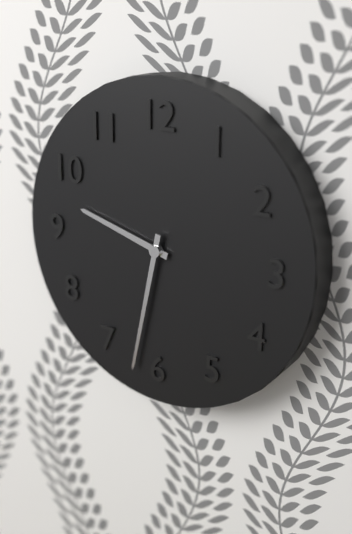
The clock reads **9:32**
